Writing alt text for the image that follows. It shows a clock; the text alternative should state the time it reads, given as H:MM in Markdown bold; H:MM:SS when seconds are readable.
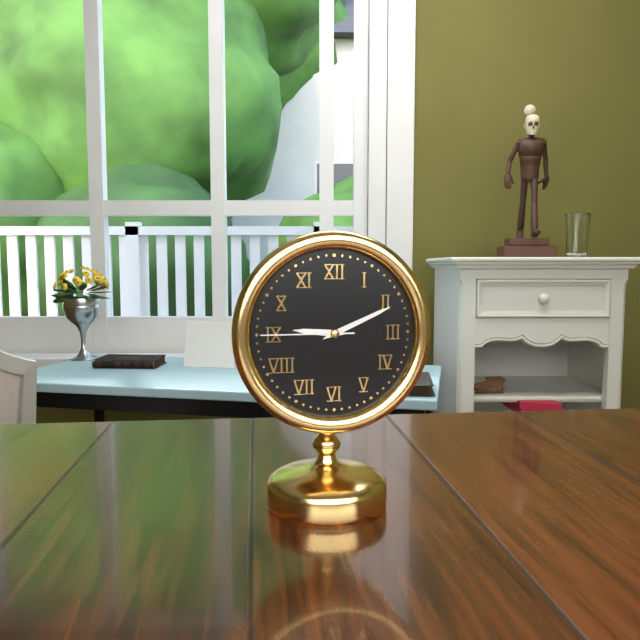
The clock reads **9:11:45**
